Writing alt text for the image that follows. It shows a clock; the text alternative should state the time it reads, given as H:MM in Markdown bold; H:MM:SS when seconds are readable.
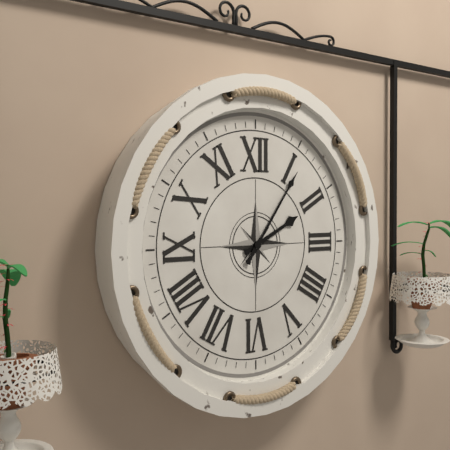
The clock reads **2:06**
